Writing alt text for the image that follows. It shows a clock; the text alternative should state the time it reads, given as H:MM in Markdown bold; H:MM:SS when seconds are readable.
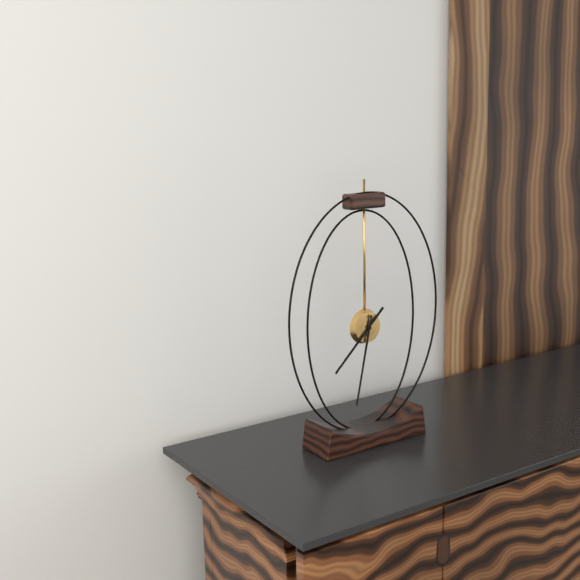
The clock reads **7:32**
